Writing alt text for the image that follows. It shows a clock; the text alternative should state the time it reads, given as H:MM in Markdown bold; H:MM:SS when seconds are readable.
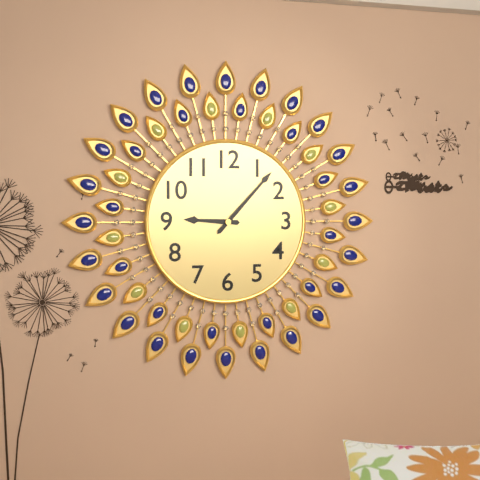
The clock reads **9:07**
